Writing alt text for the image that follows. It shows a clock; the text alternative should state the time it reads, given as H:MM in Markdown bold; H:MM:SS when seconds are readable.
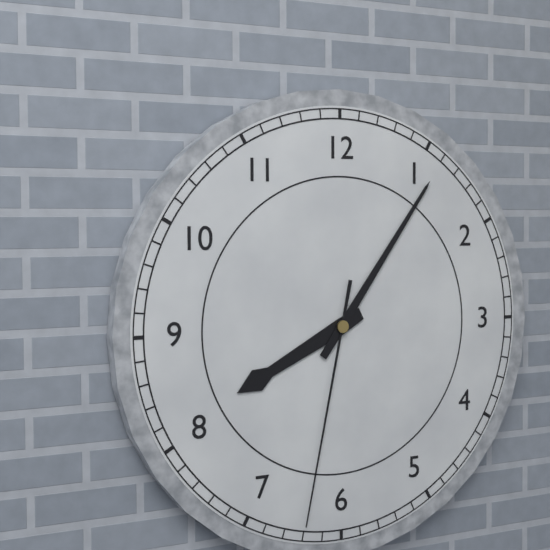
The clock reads **8:06:32**
